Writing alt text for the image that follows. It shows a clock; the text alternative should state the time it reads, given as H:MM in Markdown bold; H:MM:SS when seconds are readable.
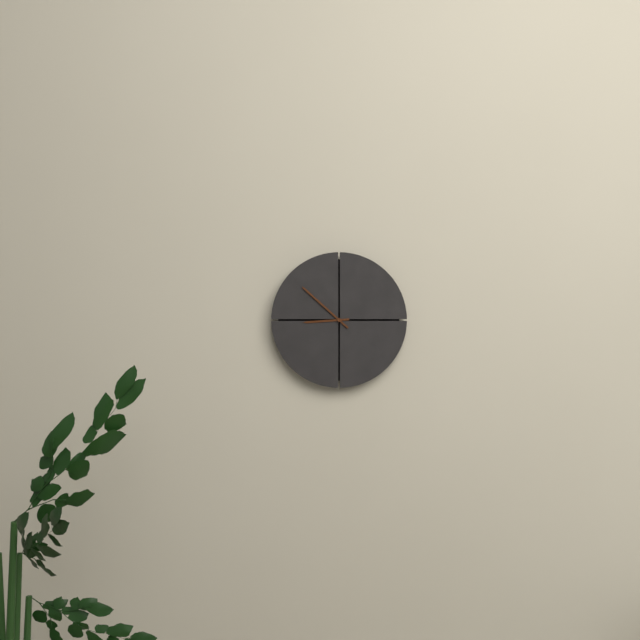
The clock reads **8:52**
